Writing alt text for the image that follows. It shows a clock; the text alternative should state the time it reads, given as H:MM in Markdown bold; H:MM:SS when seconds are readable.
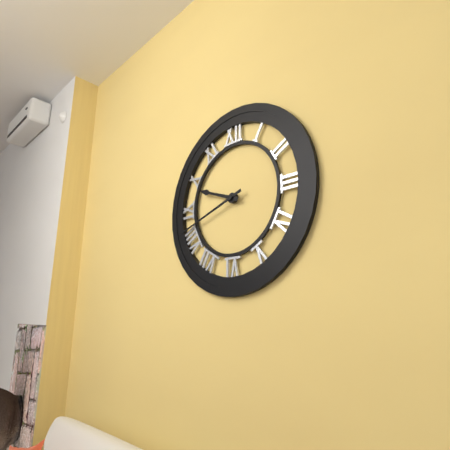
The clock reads **9:42**
